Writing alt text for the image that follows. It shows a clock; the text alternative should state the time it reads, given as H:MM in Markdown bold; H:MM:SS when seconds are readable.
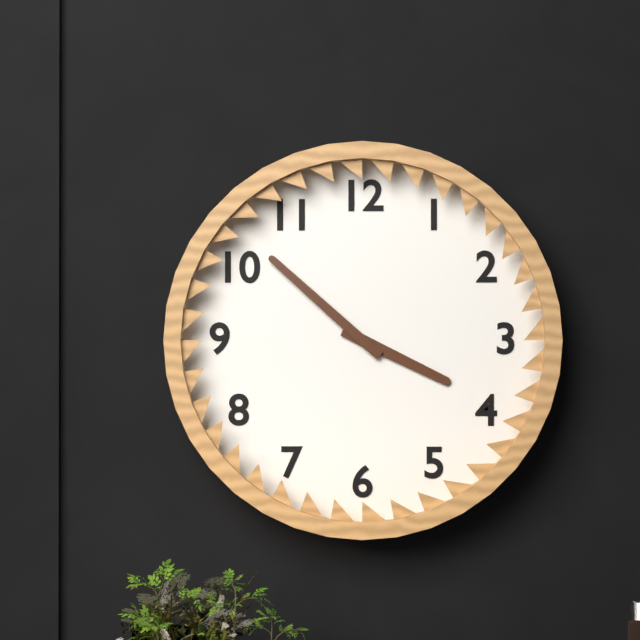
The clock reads **3:52**
